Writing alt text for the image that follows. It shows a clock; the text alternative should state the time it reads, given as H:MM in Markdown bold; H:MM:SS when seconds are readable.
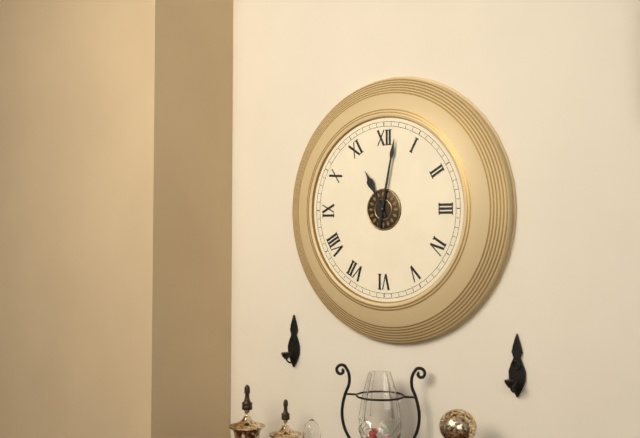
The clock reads **11:02**
